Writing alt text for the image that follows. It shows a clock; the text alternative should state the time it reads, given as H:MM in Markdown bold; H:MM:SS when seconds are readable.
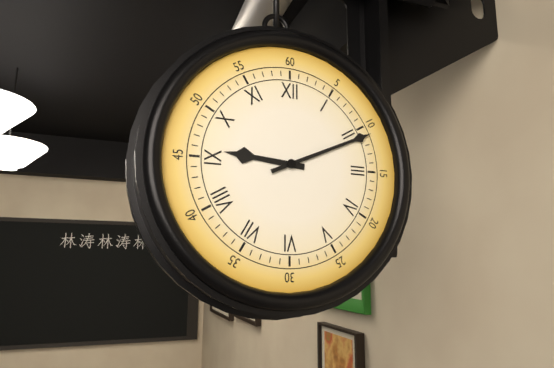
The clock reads **9:11**
